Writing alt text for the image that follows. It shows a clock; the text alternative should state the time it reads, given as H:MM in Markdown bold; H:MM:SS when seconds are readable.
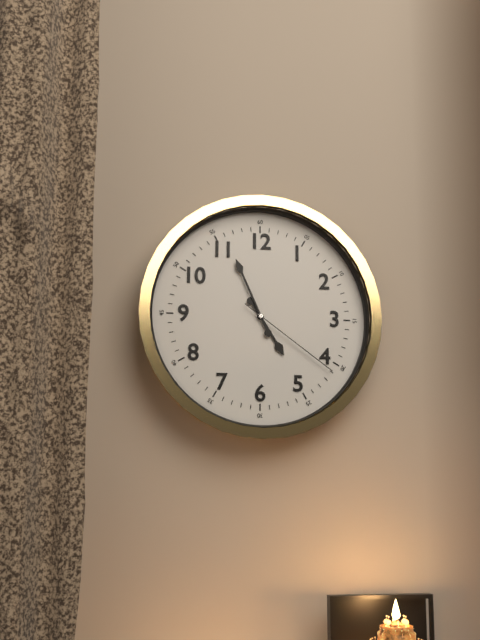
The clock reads **4:56:21**
